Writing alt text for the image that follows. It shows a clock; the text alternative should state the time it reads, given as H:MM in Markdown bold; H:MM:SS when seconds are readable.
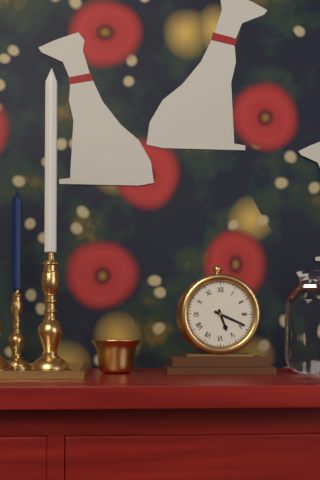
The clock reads **5:19**
